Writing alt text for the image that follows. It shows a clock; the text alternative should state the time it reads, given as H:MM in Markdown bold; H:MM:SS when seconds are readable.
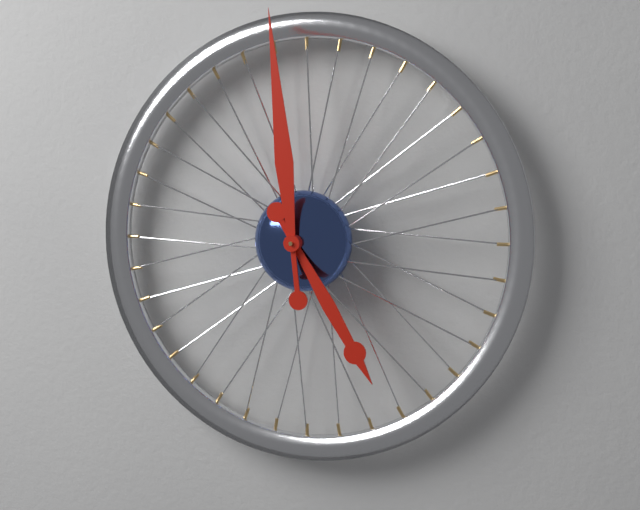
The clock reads **4:59**
